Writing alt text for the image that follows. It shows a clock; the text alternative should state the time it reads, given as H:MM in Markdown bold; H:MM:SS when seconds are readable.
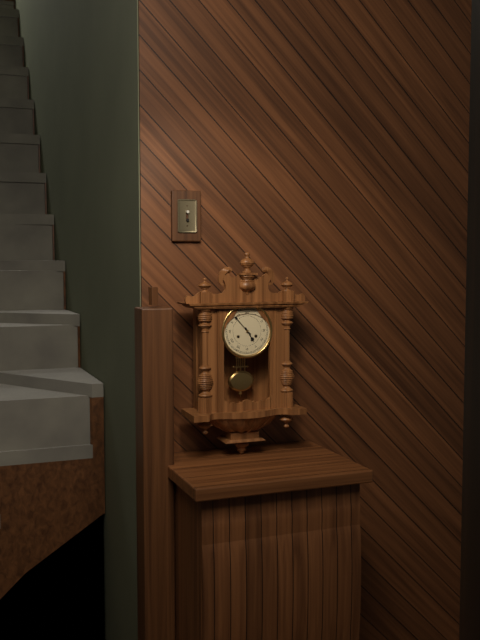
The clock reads **4:53**
